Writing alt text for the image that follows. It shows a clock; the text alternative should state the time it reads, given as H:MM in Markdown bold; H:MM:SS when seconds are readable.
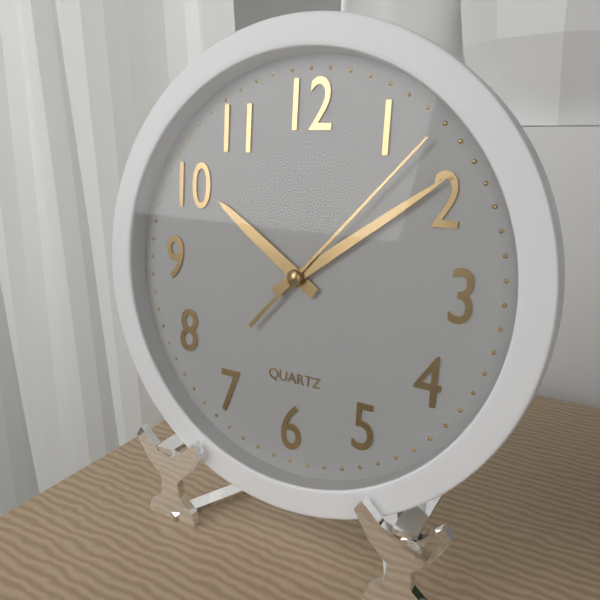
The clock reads **10:09:07**
